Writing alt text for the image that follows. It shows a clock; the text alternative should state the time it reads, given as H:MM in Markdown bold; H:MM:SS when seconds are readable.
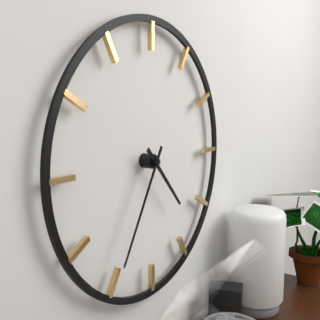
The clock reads **4:35**
